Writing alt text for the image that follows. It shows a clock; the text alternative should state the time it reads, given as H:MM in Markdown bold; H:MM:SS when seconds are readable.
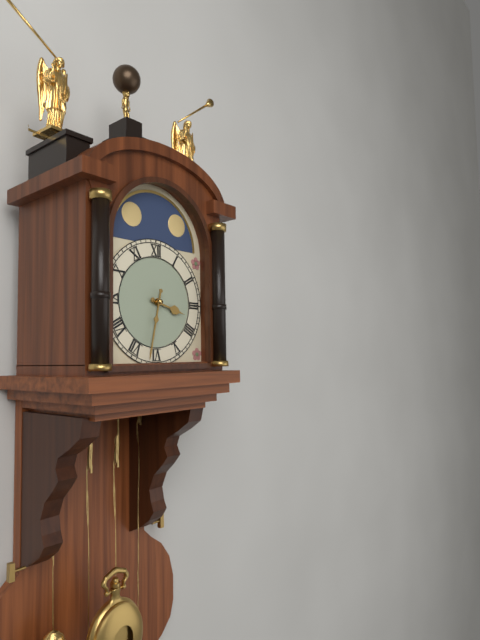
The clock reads **3:32**
